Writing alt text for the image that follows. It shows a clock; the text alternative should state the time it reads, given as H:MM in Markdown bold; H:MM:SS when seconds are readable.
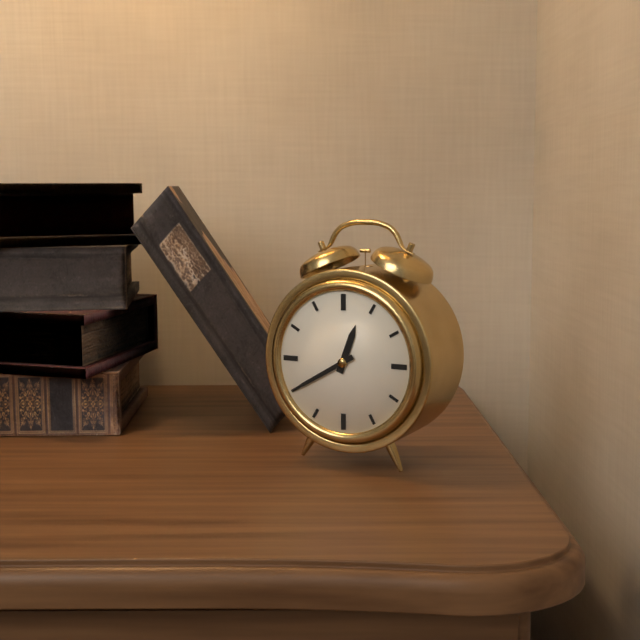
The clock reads **12:40**
